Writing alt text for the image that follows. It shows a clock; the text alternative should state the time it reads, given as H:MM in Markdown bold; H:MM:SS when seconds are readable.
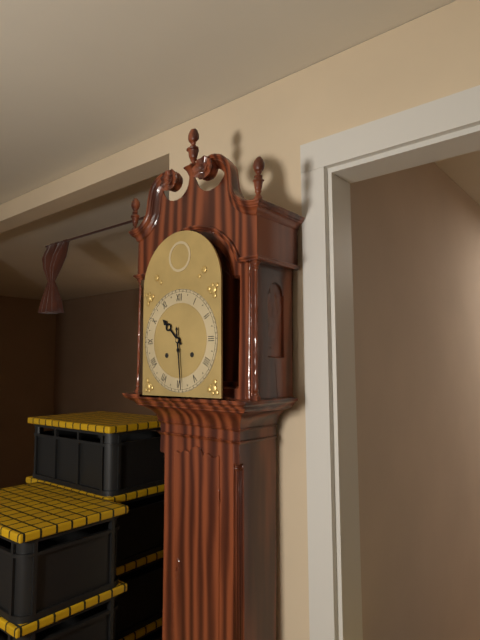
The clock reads **10:29**
